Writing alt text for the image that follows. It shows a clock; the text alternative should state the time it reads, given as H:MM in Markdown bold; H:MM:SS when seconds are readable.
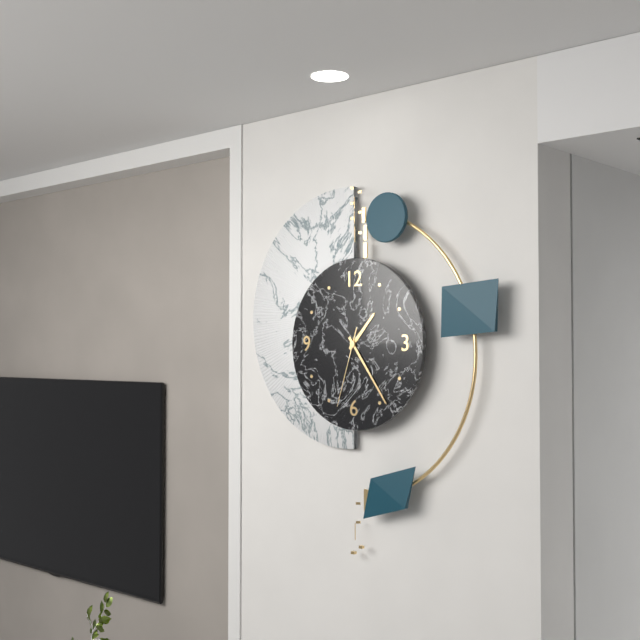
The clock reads **1:24:33**
